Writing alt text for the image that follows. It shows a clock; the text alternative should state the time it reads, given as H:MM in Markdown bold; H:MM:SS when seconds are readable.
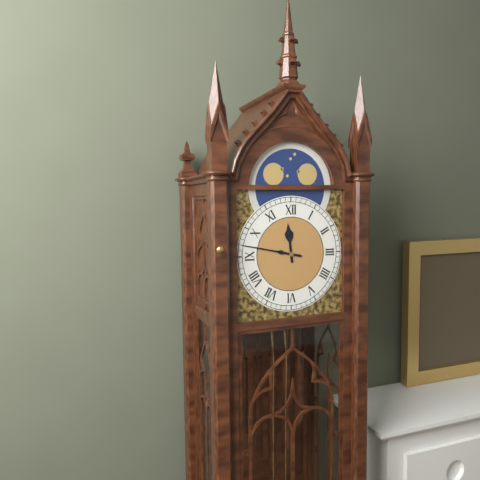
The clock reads **11:47**
